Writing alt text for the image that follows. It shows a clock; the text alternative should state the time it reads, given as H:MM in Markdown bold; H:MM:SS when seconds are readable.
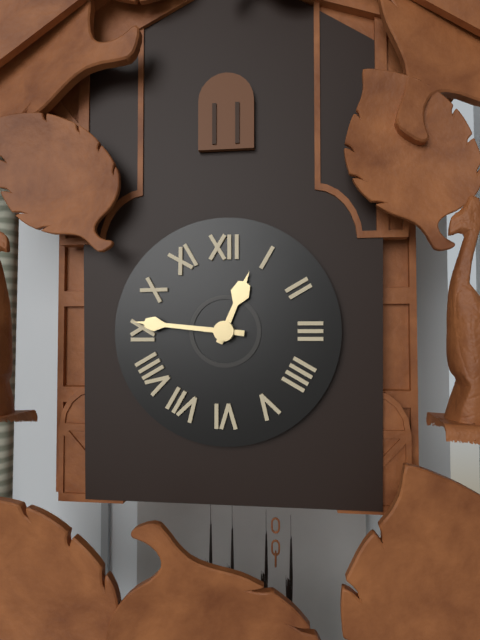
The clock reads **12:46**
